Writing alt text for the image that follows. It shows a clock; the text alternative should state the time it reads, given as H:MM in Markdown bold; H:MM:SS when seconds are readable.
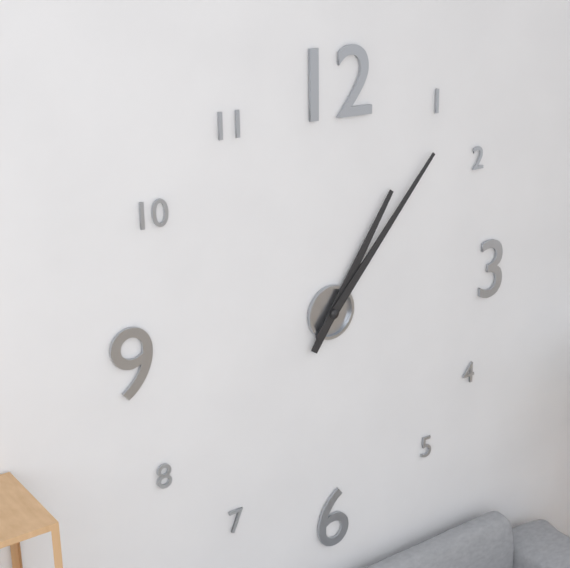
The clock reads **1:07**
